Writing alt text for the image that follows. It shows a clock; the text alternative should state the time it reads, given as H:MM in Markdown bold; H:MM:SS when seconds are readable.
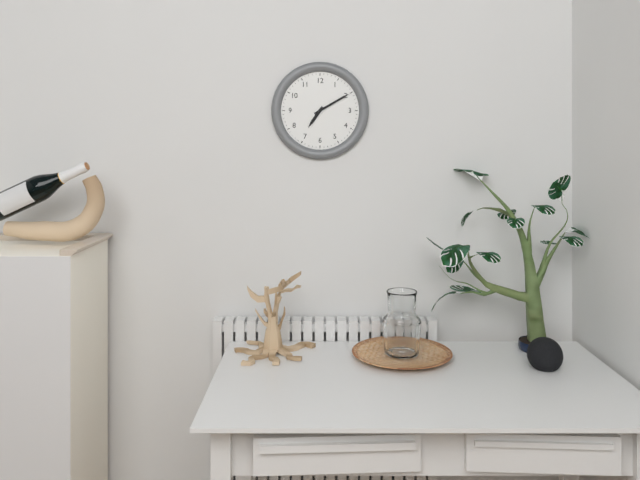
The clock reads **7:10**
